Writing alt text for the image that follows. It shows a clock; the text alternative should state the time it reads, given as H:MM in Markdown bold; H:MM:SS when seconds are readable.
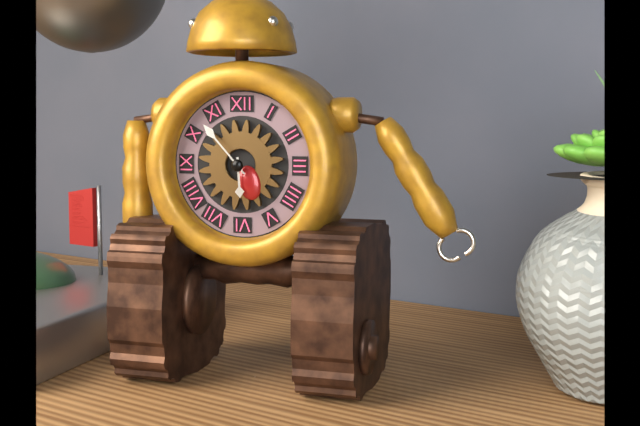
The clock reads **5:53**
